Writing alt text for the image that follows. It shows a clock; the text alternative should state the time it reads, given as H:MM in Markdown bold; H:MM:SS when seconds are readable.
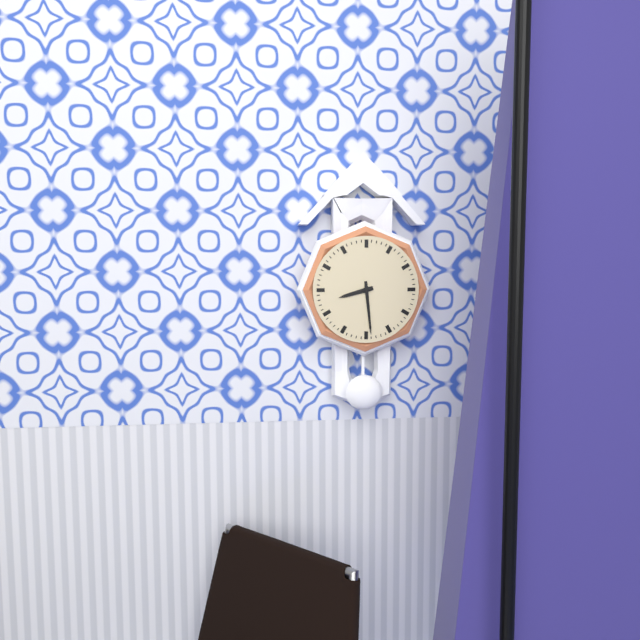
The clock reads **8:29**
